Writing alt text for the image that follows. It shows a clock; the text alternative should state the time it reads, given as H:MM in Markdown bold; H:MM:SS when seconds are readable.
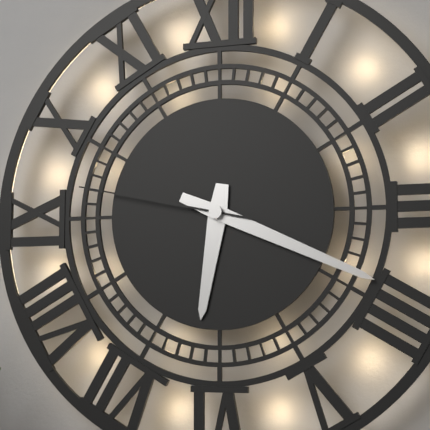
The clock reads **6:19:47**
